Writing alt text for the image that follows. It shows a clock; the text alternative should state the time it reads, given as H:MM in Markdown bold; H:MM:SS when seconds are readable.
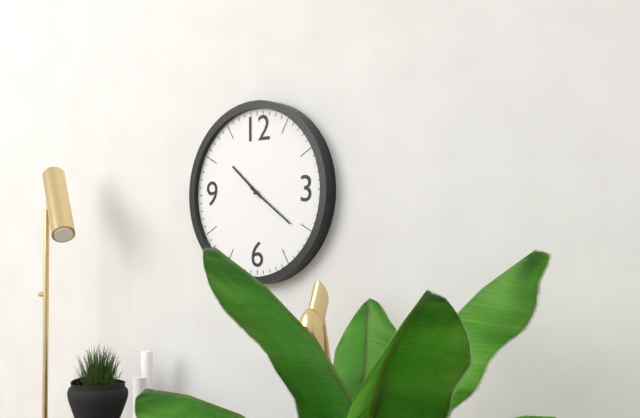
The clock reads **10:21**
